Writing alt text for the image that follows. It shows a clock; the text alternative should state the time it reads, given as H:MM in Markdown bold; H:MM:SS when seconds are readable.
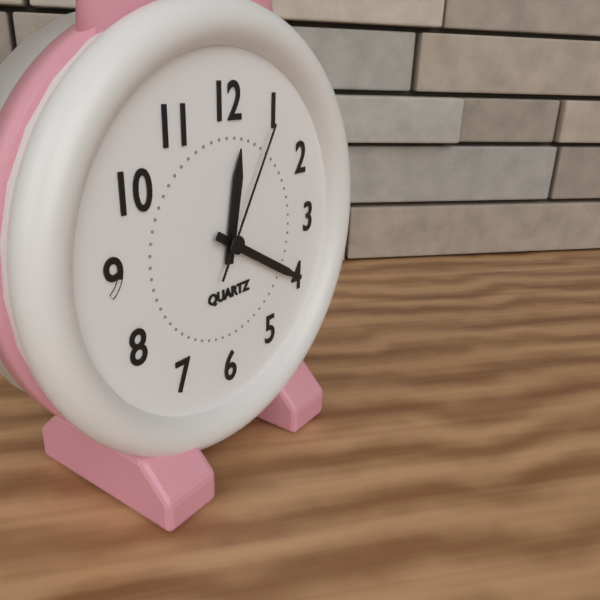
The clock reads **12:20:05**
